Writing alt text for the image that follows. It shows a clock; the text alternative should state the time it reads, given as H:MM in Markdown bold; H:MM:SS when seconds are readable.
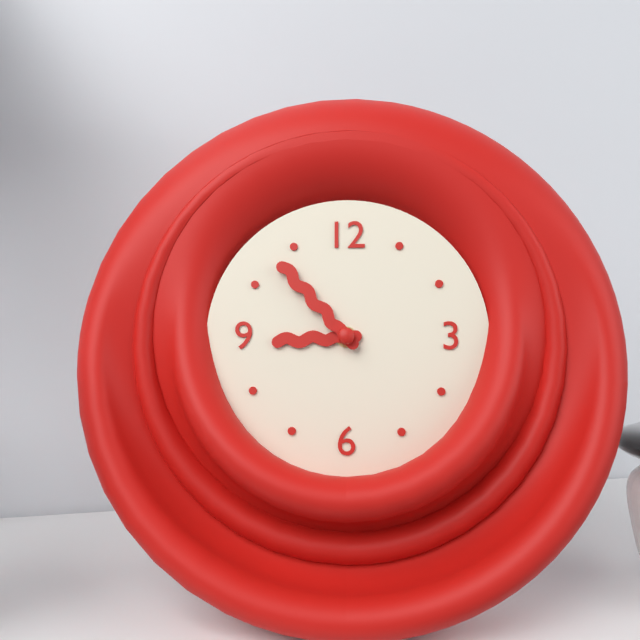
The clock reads **8:53**
